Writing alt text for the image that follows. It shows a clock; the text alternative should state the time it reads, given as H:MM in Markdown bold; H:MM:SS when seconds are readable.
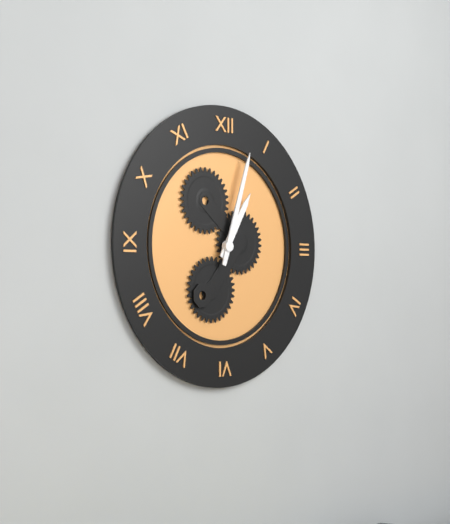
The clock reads **1:03**
